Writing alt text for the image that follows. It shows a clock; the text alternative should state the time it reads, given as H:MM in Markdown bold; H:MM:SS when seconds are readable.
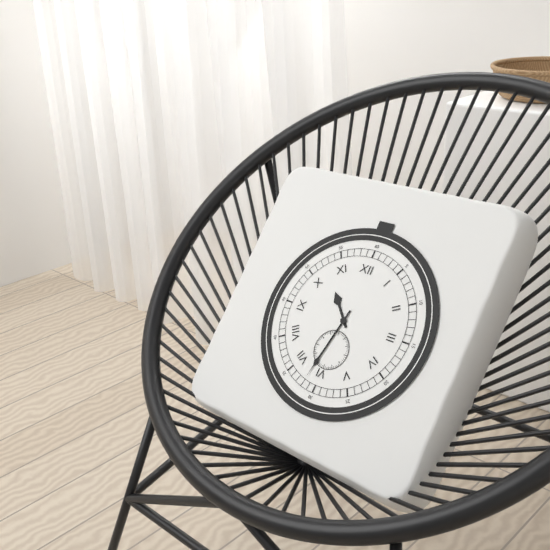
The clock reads **10:32**
